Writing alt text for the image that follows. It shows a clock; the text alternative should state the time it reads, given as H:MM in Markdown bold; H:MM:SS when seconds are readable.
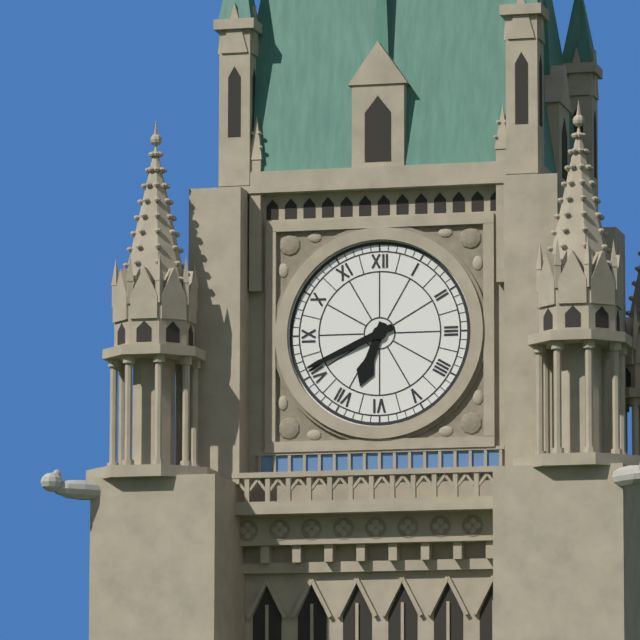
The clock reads **6:41**
